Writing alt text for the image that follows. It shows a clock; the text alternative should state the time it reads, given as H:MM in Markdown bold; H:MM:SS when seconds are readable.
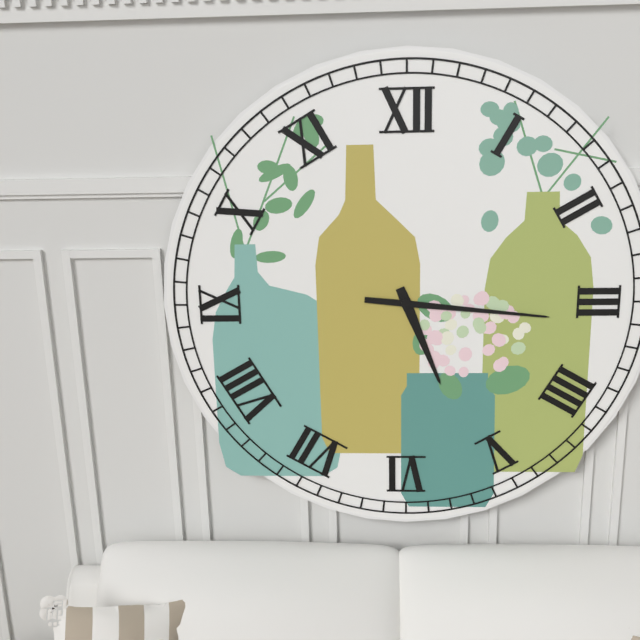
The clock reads **5:16**
